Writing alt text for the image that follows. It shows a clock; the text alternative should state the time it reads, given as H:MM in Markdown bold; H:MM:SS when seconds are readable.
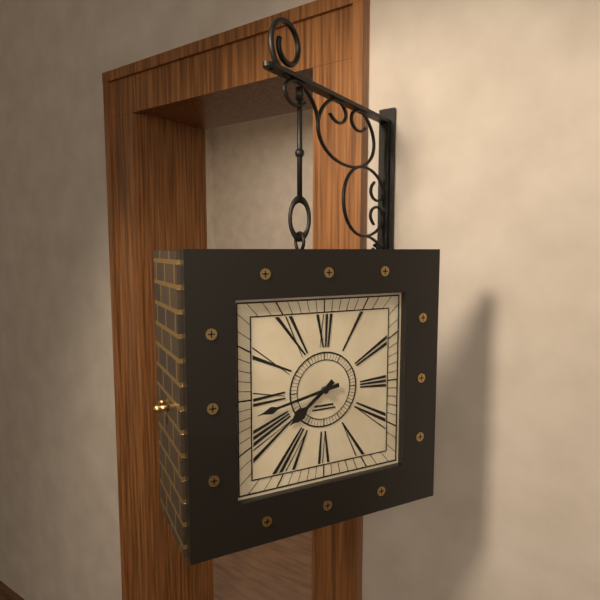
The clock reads **7:43**
